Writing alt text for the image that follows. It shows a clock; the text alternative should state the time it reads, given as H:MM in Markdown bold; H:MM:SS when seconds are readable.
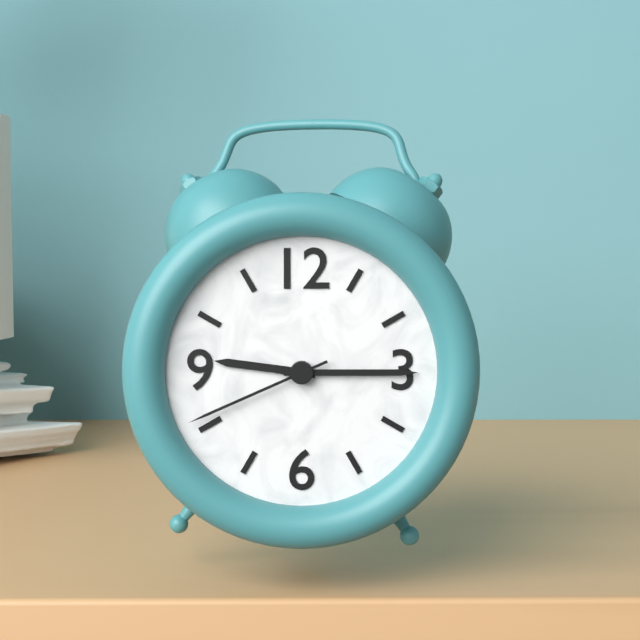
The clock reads **9:15:41**
